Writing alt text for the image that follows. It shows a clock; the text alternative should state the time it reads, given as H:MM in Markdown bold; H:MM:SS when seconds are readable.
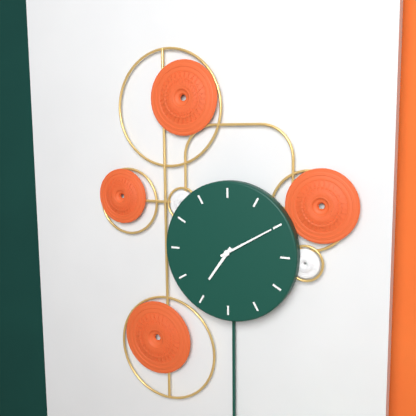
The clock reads **7:10**
